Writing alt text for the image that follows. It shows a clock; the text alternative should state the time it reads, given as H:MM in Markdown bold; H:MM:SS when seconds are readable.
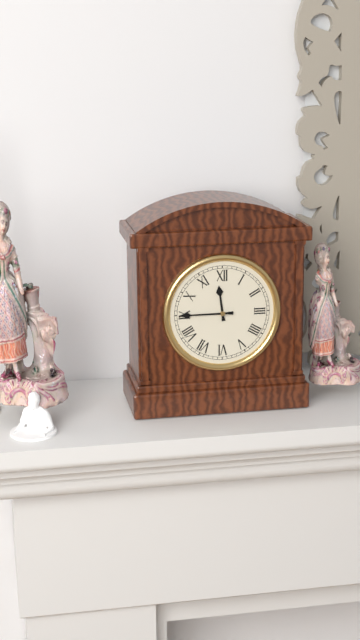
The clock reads **11:45**
